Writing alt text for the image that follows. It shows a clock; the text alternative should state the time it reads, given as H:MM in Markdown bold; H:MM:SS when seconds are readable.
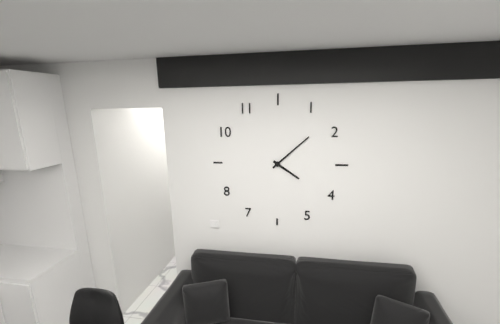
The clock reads **4:08**
